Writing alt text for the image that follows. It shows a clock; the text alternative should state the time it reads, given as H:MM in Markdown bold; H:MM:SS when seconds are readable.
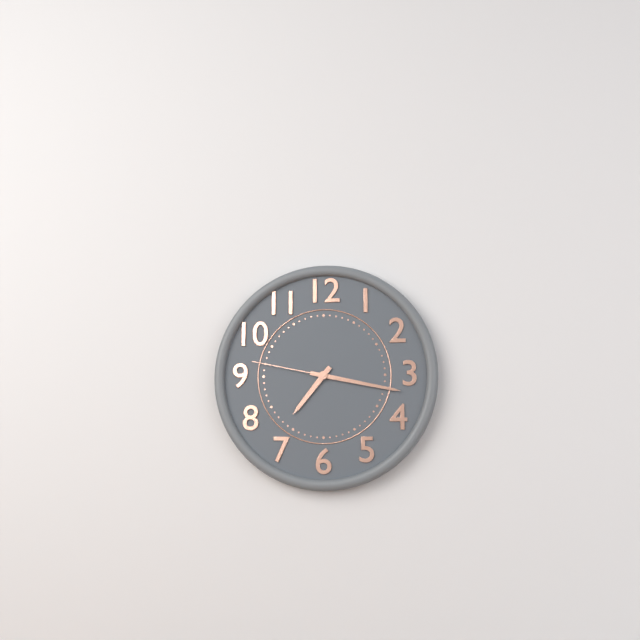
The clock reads **7:17:47**
